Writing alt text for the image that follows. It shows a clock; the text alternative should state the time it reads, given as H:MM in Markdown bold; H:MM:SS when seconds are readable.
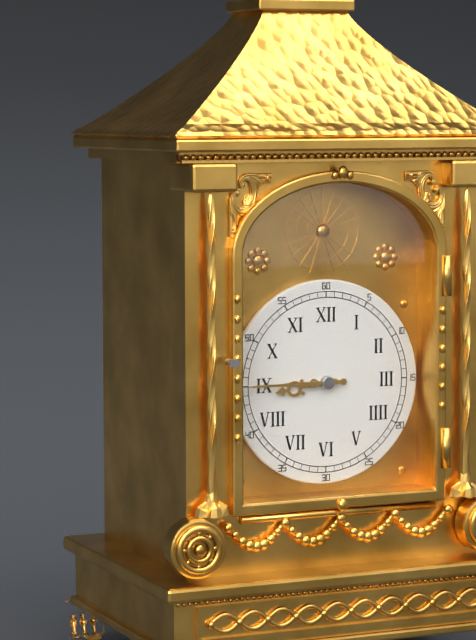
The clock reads **8:45**
